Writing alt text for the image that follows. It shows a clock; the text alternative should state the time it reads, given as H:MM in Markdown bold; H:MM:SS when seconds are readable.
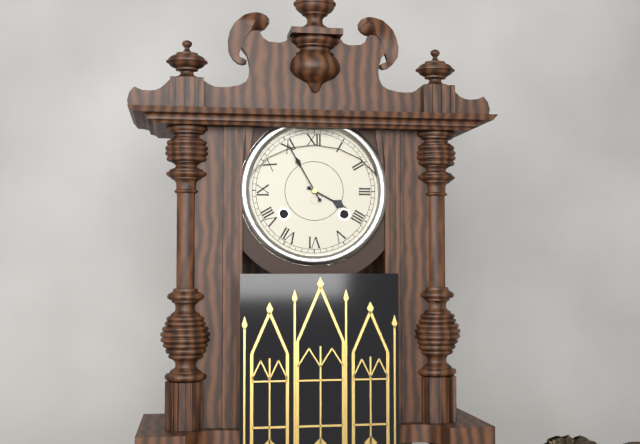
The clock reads **3:55**
